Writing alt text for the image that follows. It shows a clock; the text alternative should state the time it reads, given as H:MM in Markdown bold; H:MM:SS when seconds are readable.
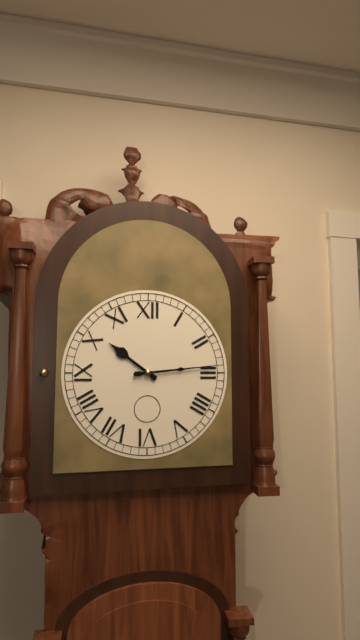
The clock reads **10:14**
